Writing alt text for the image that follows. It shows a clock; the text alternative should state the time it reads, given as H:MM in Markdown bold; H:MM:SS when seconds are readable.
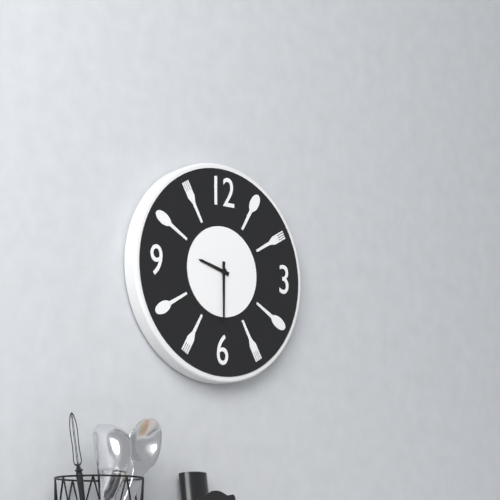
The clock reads **9:30**
